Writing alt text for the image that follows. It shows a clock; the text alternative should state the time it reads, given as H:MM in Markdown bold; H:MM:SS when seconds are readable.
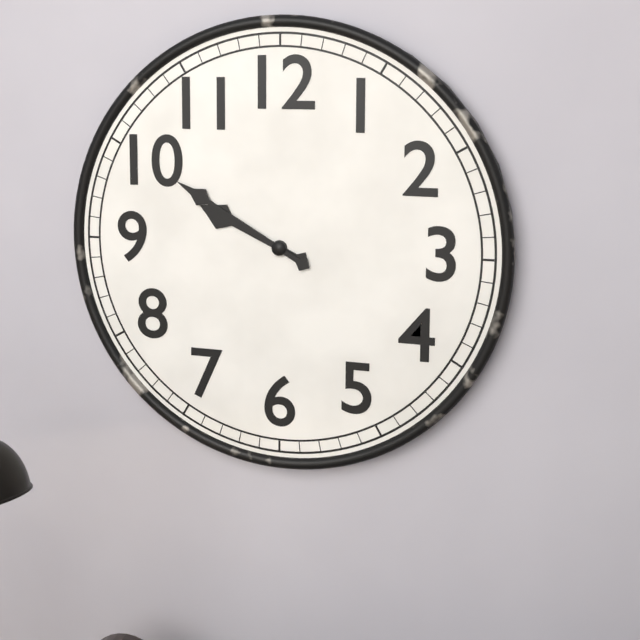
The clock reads **9:50**
